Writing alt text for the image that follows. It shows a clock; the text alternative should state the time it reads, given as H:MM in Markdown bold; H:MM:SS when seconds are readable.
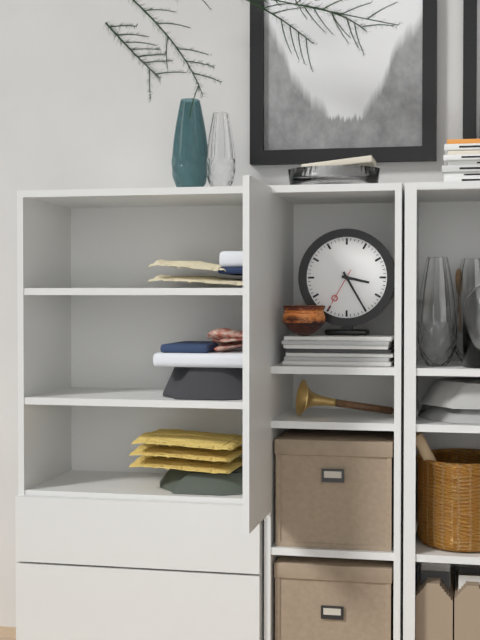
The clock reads **3:25**
